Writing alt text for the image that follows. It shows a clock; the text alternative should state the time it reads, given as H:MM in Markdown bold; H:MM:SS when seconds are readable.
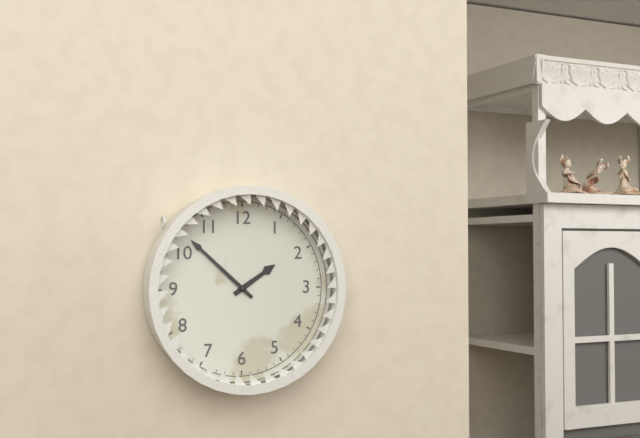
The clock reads **1:52**
